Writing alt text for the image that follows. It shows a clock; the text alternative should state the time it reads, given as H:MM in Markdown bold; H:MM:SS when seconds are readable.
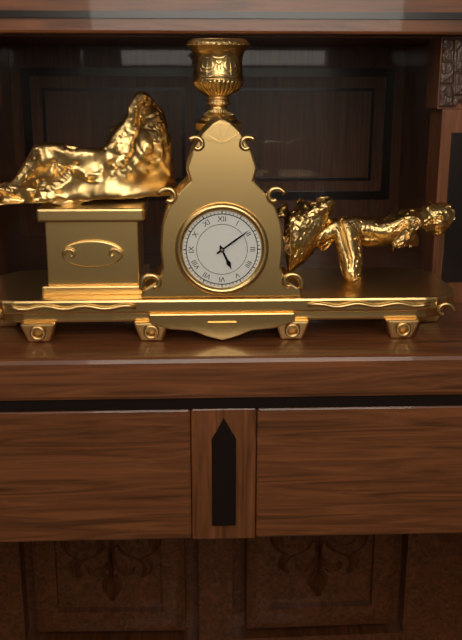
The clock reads **5:09**
